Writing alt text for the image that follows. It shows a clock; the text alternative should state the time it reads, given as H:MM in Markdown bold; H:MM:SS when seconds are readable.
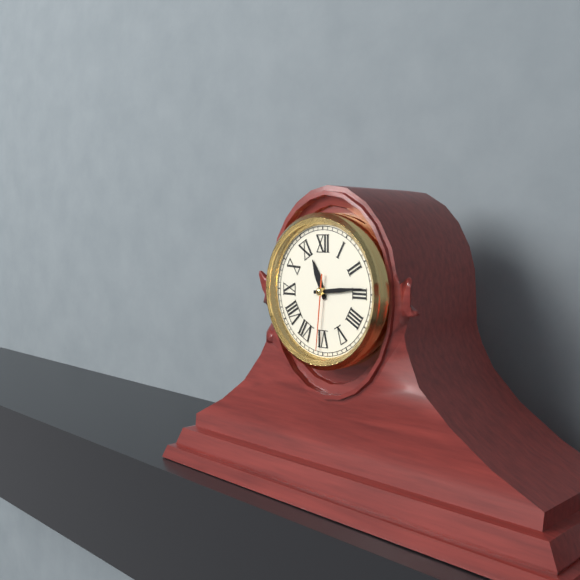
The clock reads **11:14:31**
